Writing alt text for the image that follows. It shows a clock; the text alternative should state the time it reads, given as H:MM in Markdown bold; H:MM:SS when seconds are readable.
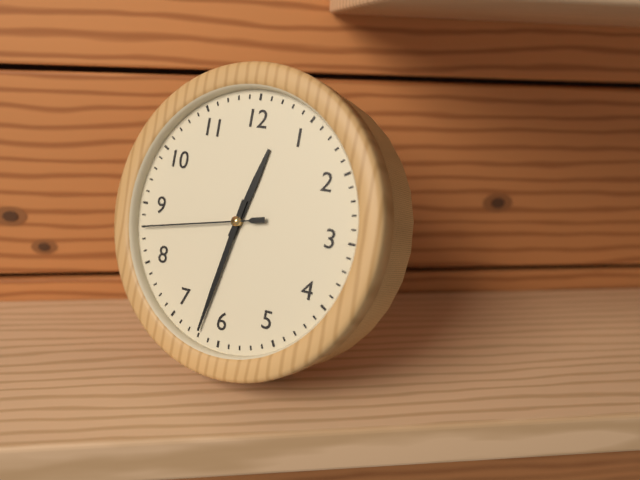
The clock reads **12:32:43**
